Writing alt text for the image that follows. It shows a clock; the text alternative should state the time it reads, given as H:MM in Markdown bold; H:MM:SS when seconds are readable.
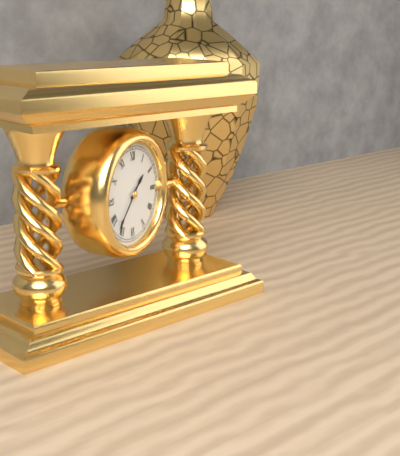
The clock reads **1:37**
